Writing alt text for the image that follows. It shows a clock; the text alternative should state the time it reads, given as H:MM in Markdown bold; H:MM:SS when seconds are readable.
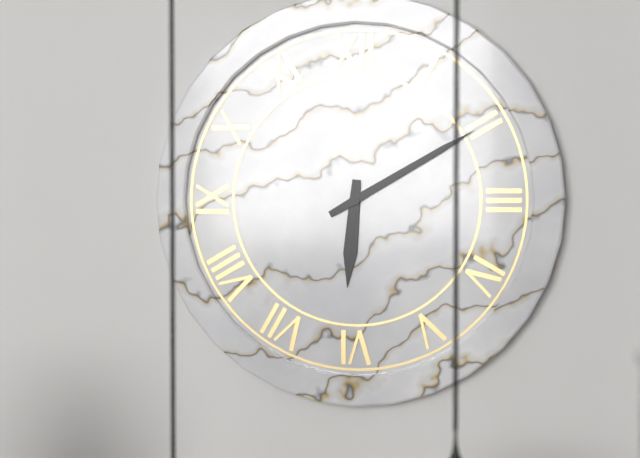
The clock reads **6:10**
